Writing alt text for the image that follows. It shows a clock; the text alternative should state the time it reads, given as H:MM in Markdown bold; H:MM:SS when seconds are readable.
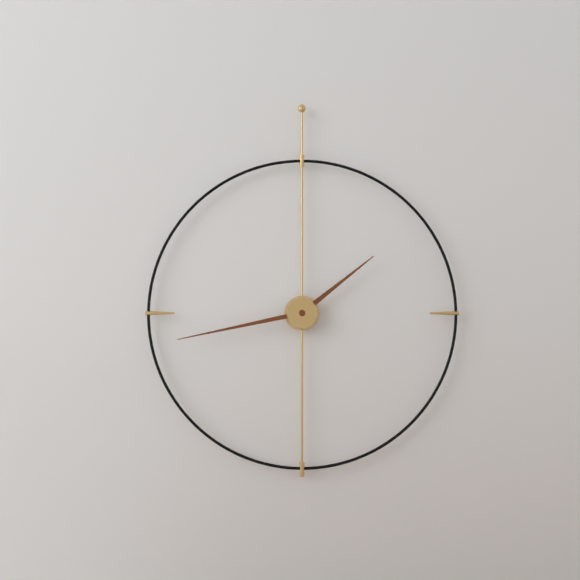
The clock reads **1:43**
